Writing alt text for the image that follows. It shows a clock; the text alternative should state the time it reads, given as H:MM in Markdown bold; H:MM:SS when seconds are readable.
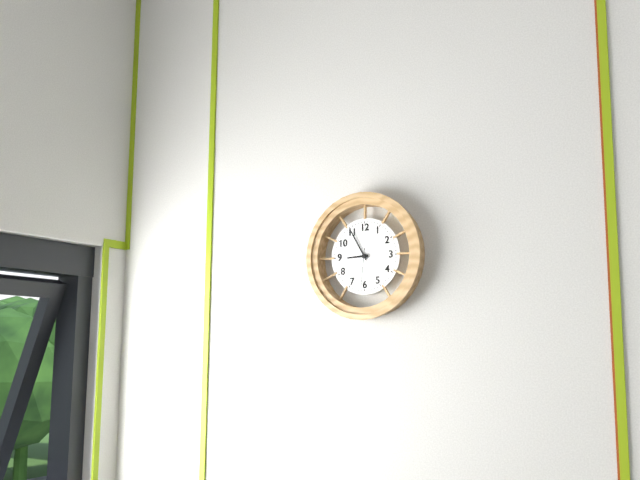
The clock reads **8:55**
